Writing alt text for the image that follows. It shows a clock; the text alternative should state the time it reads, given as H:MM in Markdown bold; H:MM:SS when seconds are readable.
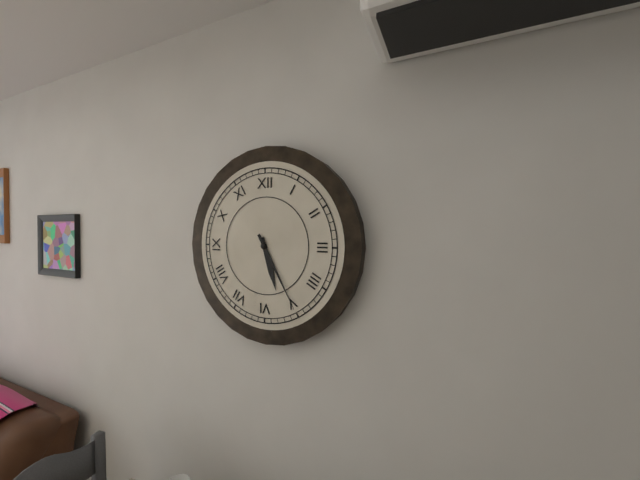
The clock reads **5:25**
